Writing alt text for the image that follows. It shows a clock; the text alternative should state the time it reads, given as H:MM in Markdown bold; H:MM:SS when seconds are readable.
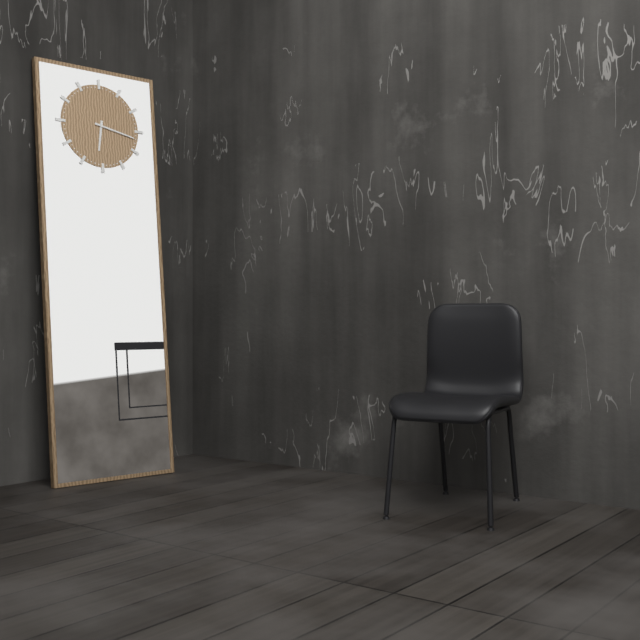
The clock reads **6:17**
